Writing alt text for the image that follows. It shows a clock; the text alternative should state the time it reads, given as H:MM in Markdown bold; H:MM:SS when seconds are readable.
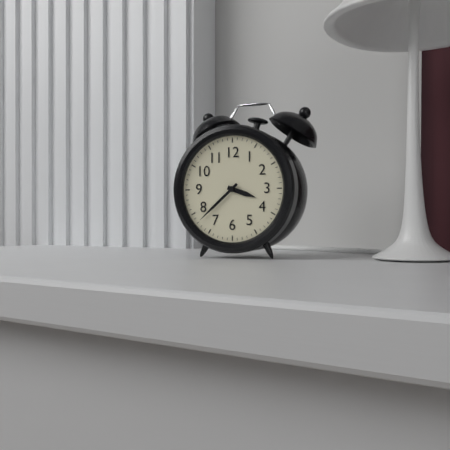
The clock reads **3:38**
